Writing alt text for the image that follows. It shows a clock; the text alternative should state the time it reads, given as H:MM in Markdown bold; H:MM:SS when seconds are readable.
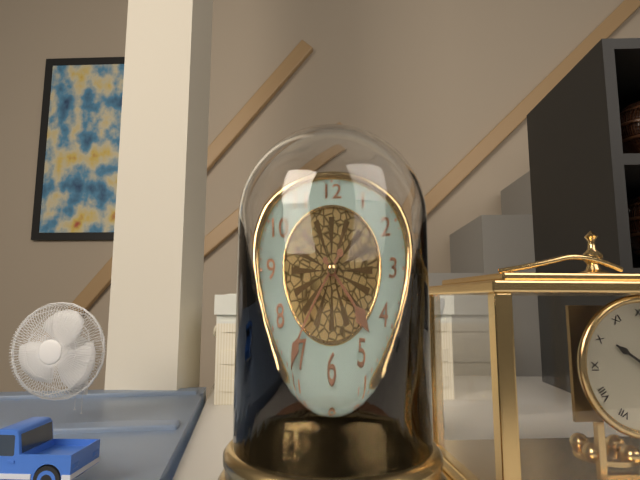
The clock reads **4:36**
